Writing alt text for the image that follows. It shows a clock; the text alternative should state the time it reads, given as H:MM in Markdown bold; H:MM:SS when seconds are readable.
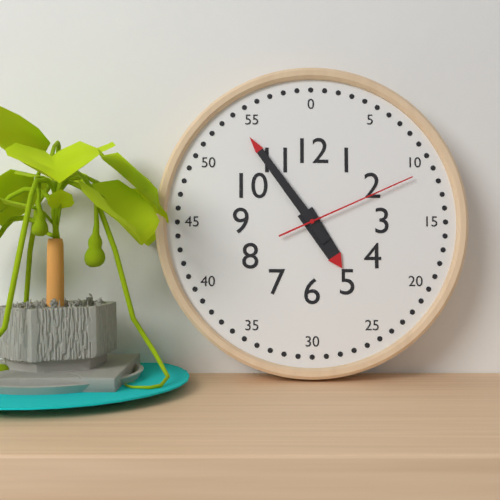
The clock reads **4:54:11**
